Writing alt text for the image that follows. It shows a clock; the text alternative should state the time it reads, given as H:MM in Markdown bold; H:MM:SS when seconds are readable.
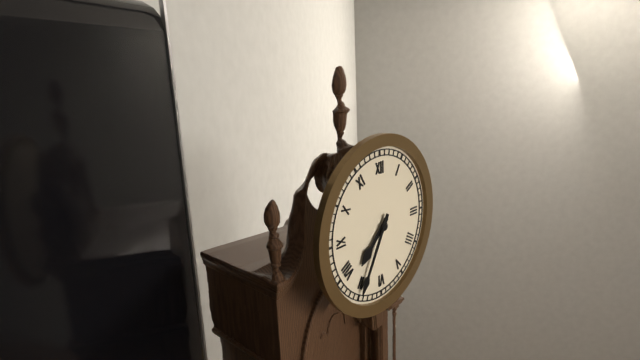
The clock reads **7:35**
